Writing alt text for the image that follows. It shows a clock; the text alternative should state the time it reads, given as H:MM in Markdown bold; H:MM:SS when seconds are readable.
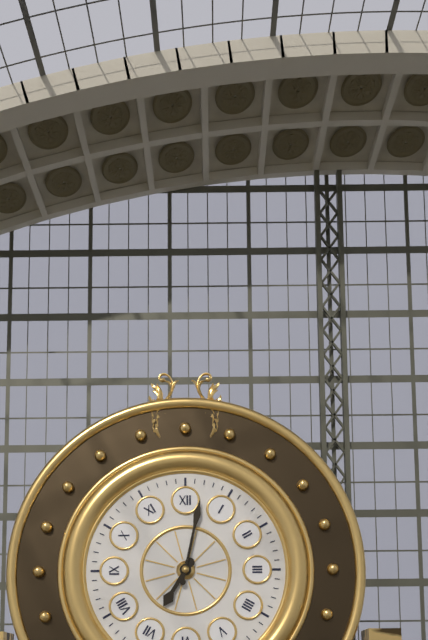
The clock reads **7:02**
